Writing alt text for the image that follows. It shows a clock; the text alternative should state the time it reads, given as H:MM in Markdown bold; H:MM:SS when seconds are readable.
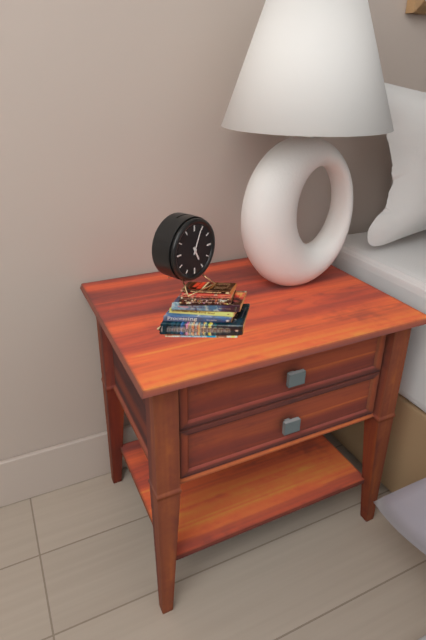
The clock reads **5:04**
